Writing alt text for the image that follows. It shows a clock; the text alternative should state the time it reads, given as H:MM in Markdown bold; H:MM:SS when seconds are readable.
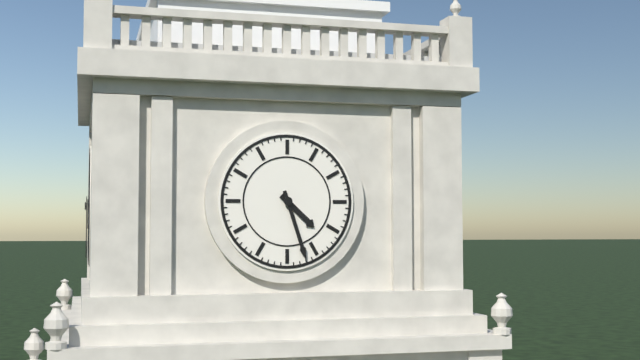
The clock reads **4:27**
